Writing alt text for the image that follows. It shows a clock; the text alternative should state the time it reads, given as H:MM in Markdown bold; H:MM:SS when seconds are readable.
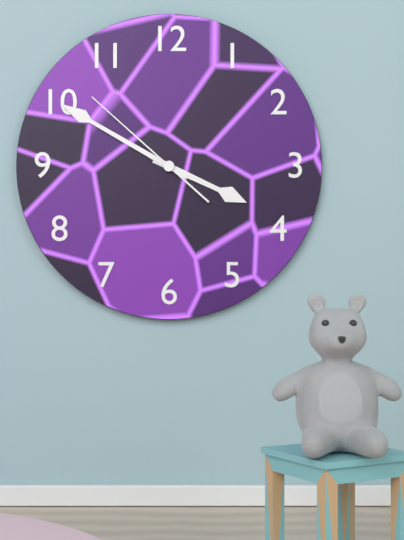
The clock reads **3:50:52**
